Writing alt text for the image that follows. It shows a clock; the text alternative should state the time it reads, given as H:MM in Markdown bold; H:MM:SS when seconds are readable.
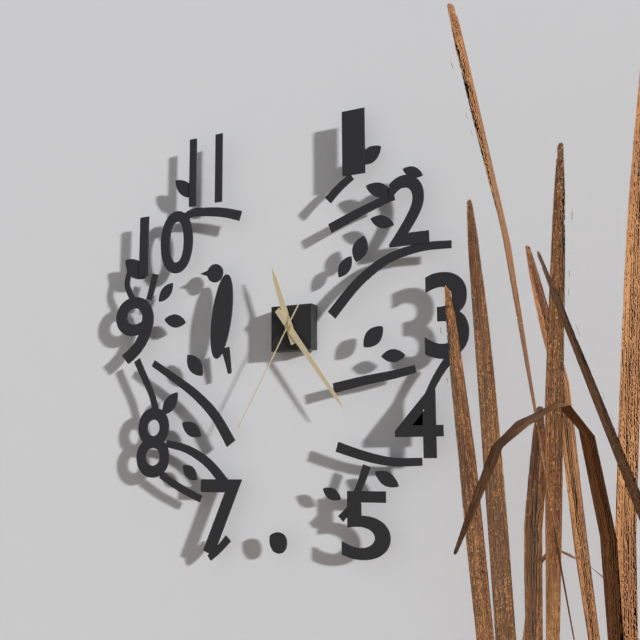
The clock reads **11:24:35**
